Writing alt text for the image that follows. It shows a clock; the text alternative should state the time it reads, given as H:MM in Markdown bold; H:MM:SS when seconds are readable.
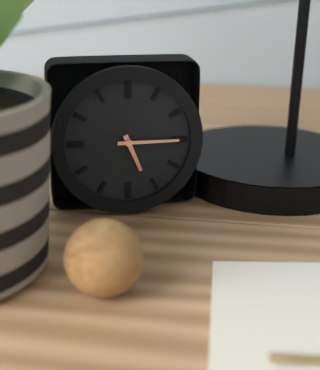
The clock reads **5:15**
